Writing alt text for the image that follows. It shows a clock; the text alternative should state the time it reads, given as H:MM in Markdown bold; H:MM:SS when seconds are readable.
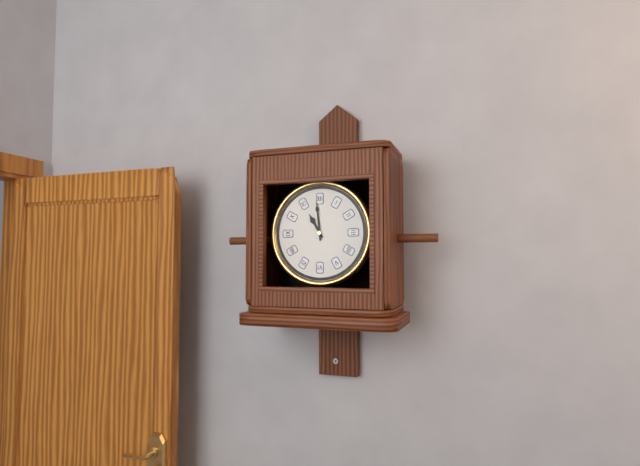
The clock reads **10:59**
